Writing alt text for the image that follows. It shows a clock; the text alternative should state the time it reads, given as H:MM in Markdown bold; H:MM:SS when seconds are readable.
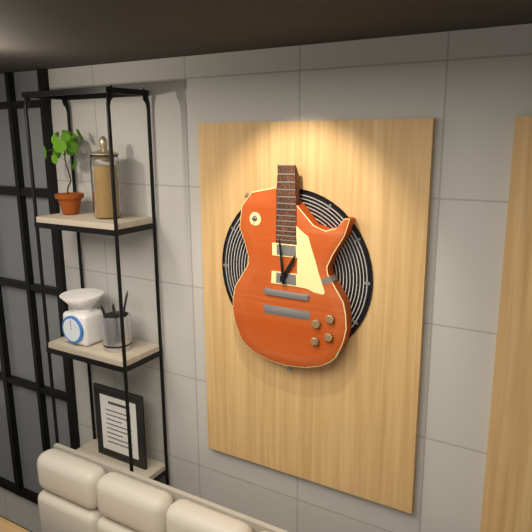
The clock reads **12:59**
